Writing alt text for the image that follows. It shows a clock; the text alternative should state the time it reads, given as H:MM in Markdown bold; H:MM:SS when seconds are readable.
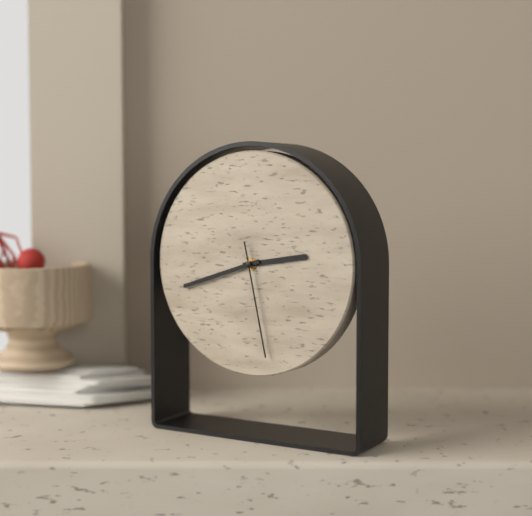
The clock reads **2:42:28**
